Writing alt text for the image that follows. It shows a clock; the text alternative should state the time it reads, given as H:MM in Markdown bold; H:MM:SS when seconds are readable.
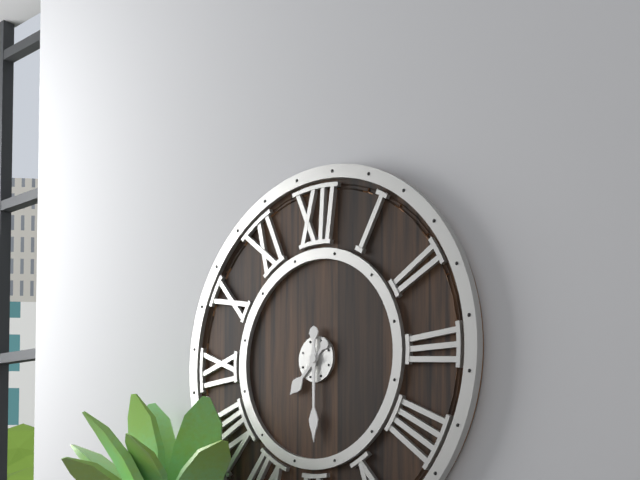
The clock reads **7:30**
